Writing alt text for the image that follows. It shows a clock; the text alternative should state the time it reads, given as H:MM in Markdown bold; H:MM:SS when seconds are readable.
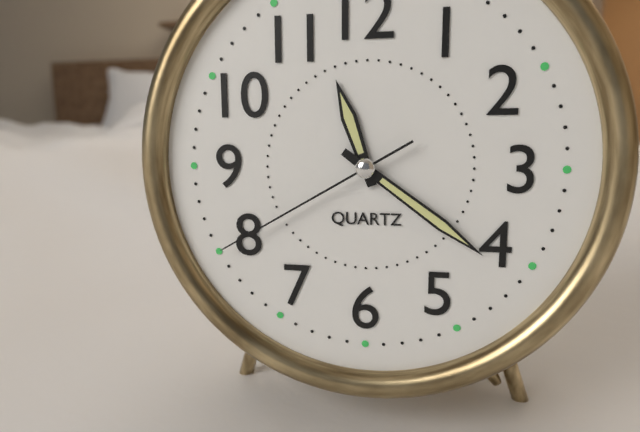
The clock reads **11:21:40**
